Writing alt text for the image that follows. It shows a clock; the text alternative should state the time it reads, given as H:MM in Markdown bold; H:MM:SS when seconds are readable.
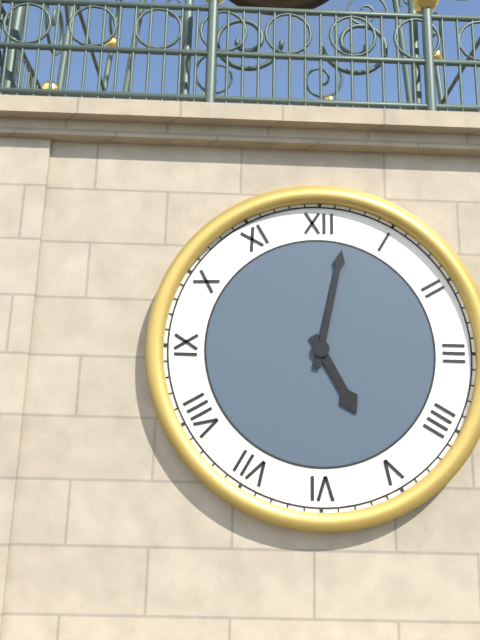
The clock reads **5:02**
